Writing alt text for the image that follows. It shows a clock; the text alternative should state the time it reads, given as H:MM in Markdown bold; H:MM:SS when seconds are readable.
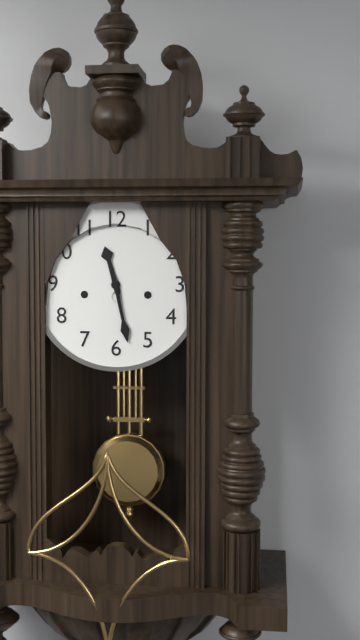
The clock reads **11:28**
